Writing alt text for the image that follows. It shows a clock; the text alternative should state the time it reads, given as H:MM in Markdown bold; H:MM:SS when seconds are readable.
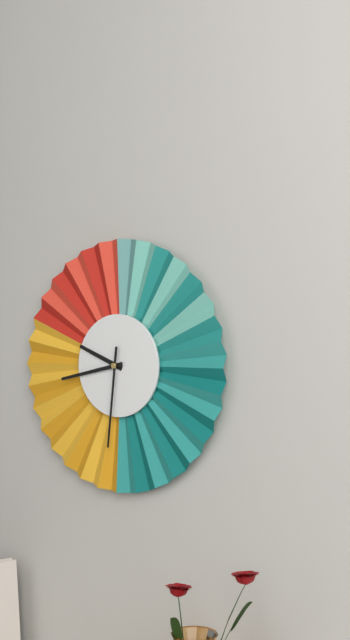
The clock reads **9:43:31**
